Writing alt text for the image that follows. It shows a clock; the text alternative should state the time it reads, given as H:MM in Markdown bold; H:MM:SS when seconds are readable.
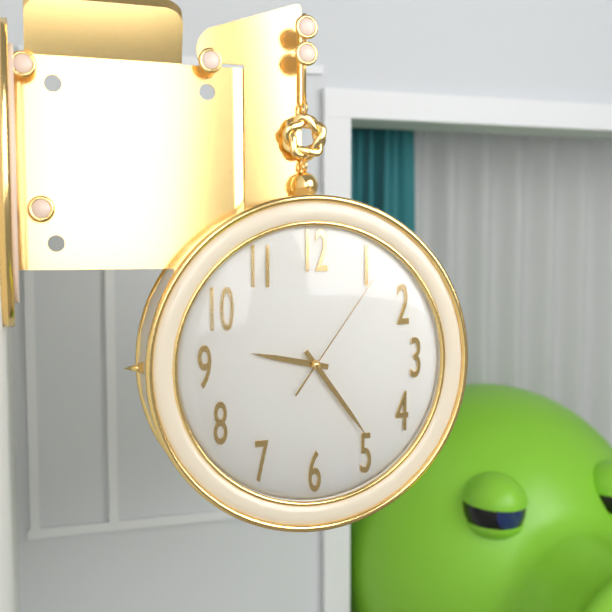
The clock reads **9:24:06**
